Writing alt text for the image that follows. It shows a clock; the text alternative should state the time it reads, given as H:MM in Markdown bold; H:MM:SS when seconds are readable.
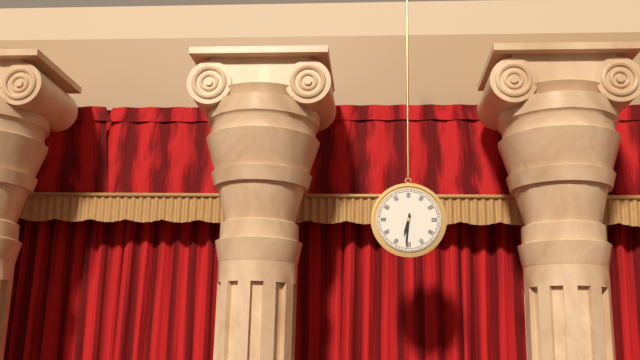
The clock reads **6:31**
